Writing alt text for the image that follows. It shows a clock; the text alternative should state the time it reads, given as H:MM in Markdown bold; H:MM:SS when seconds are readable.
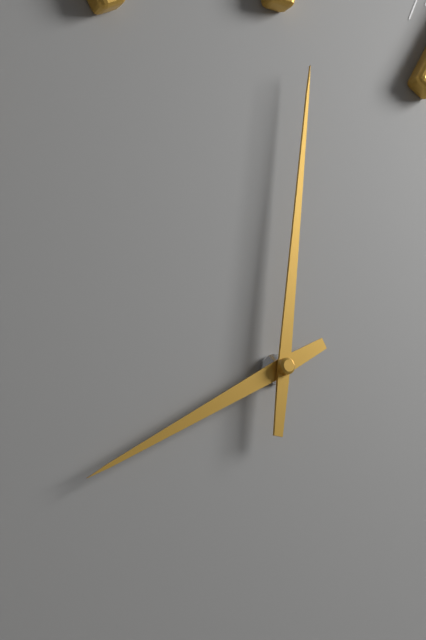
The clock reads **8:01**
